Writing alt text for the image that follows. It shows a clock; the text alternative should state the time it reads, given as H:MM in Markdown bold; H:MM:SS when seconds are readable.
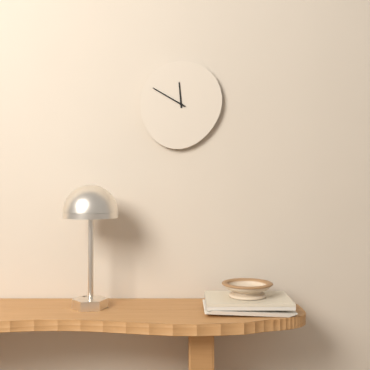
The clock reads **11:50**
